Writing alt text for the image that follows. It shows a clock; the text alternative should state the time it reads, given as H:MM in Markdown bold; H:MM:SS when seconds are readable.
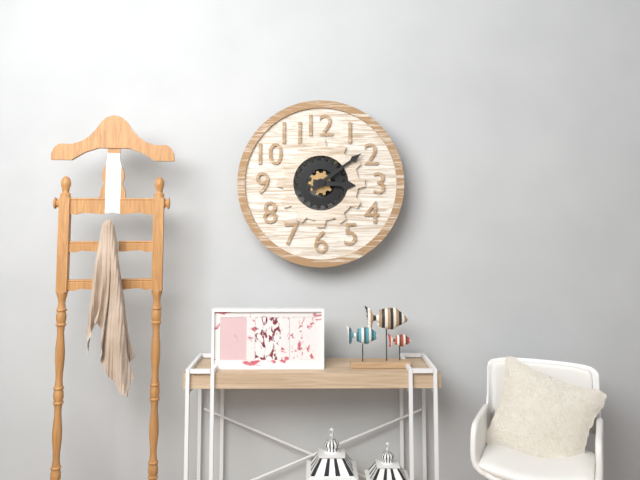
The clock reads **3:09**
